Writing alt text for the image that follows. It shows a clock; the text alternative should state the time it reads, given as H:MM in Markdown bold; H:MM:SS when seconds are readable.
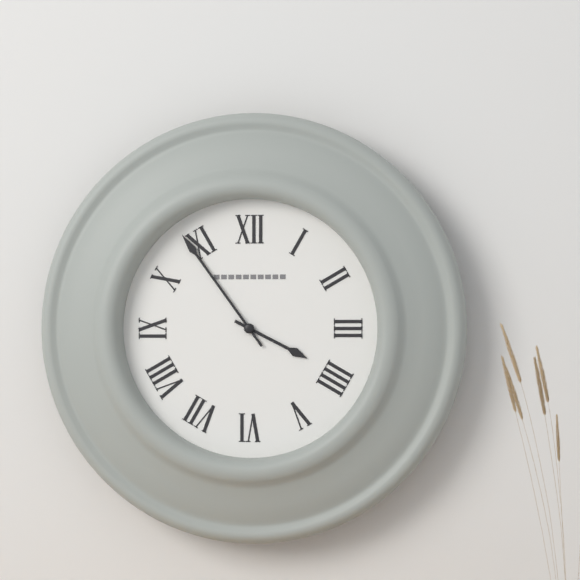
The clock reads **3:54**
